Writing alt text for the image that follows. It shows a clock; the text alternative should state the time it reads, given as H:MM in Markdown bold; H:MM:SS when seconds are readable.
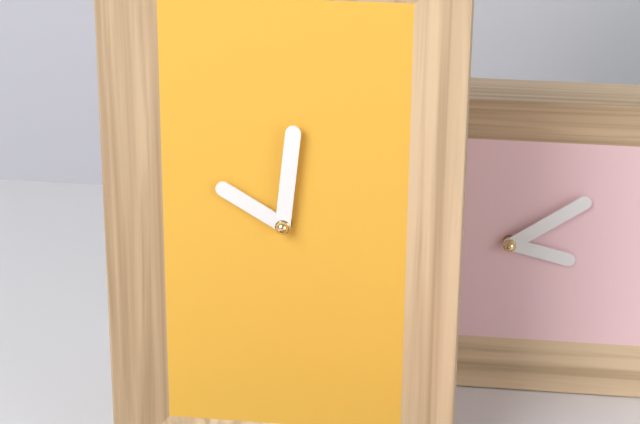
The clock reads **10:01**
